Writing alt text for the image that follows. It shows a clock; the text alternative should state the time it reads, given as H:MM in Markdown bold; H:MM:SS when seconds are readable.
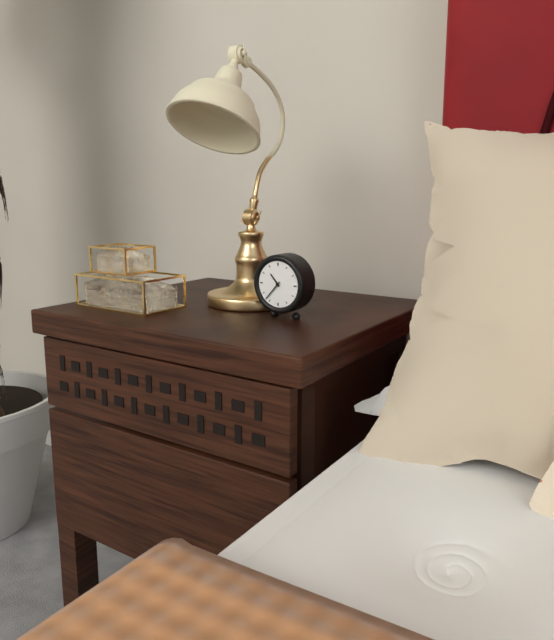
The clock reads **10:37**
